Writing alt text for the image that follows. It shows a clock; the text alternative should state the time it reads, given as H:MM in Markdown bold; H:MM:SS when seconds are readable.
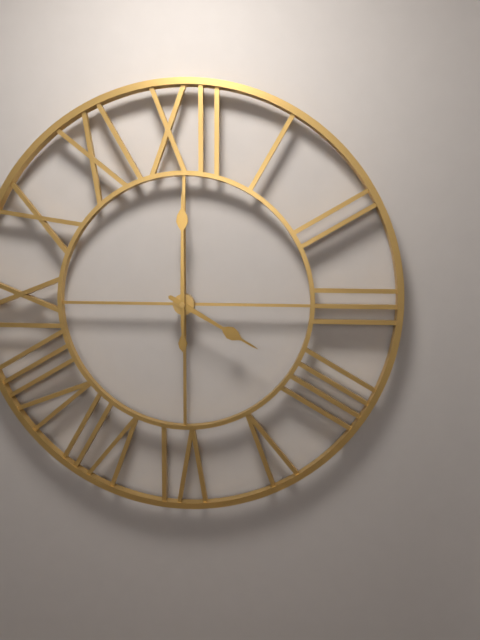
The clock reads **4:00**
